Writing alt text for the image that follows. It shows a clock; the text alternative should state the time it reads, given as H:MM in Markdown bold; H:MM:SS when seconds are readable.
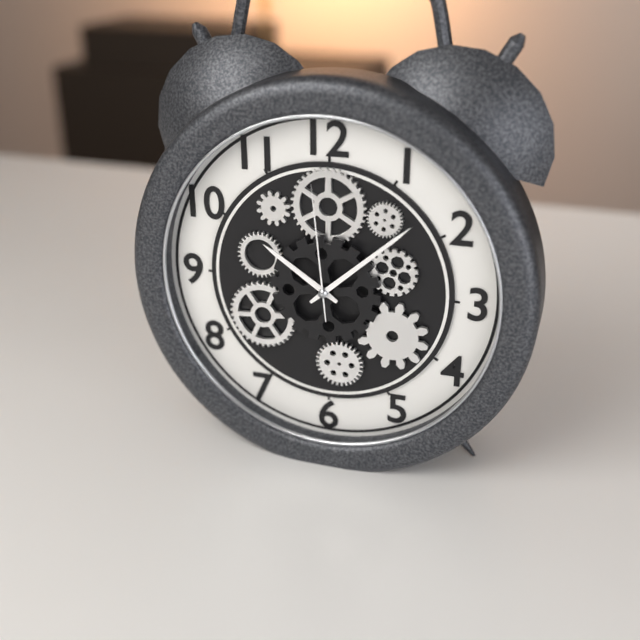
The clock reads **10:08:59**
